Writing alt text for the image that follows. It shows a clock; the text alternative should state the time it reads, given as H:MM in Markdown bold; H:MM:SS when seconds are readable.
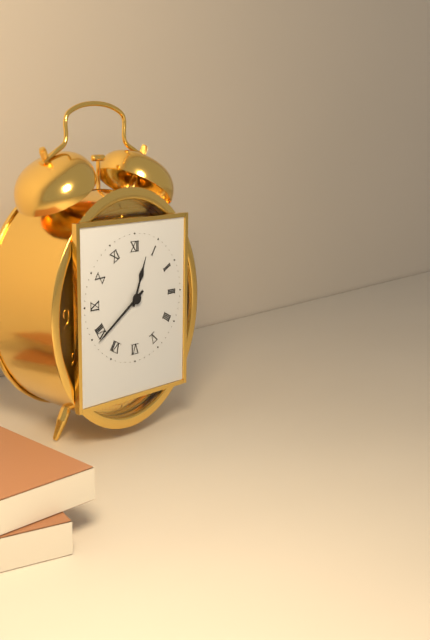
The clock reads **12:39**
